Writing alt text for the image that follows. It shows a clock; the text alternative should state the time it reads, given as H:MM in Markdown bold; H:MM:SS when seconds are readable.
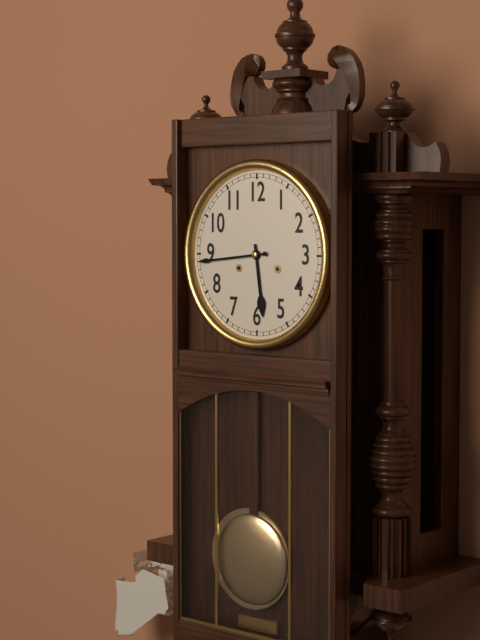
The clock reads **5:44**
